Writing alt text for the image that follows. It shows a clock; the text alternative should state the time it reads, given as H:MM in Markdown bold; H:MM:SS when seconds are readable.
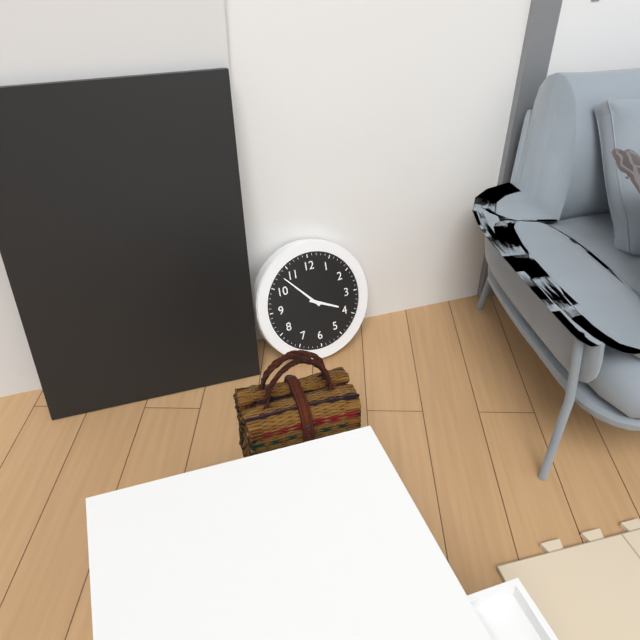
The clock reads **3:53**
